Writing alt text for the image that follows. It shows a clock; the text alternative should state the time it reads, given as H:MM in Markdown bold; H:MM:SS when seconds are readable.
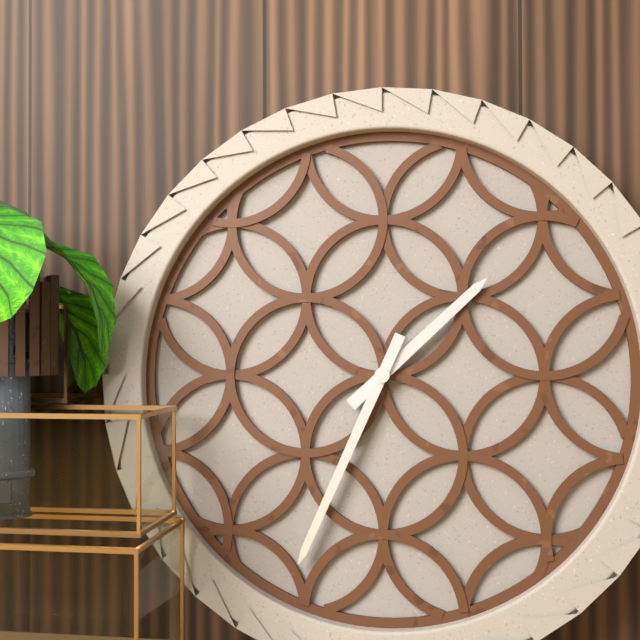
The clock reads **1:34**
